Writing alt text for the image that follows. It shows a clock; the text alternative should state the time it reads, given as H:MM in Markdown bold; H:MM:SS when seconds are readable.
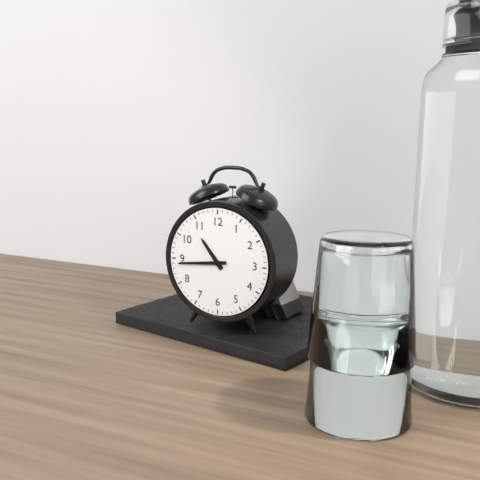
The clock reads **10:44**
